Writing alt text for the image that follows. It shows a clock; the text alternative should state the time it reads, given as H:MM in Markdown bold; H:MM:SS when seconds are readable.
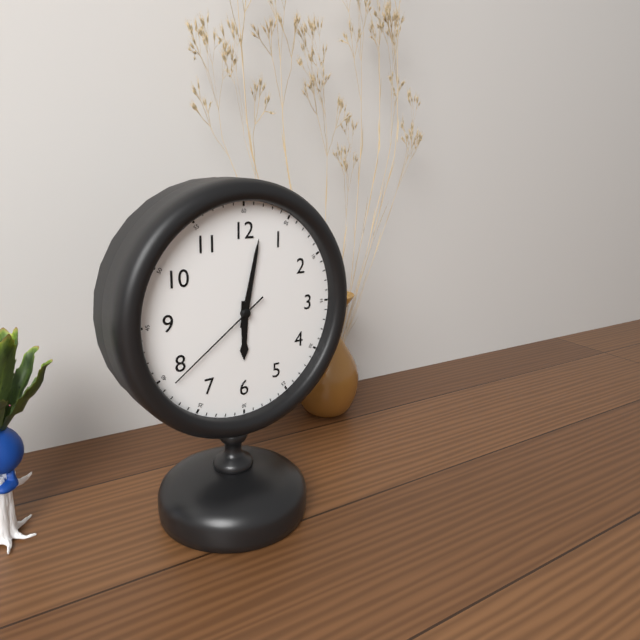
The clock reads **6:02:39**
